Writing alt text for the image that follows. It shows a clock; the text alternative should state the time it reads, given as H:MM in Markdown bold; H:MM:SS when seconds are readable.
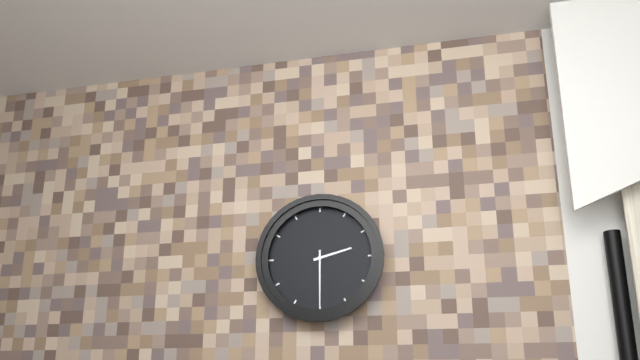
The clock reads **2:30**
